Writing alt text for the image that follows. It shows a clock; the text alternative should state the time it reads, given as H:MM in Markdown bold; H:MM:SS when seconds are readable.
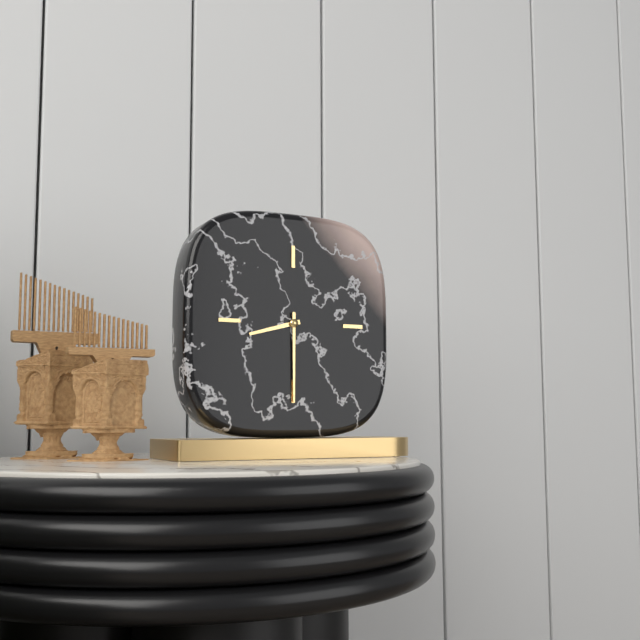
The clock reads **8:30**
